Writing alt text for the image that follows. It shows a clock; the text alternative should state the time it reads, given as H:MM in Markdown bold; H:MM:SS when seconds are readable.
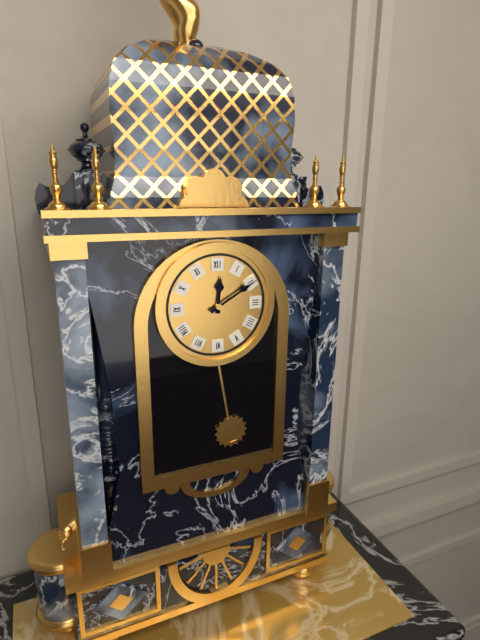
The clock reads **12:10**
